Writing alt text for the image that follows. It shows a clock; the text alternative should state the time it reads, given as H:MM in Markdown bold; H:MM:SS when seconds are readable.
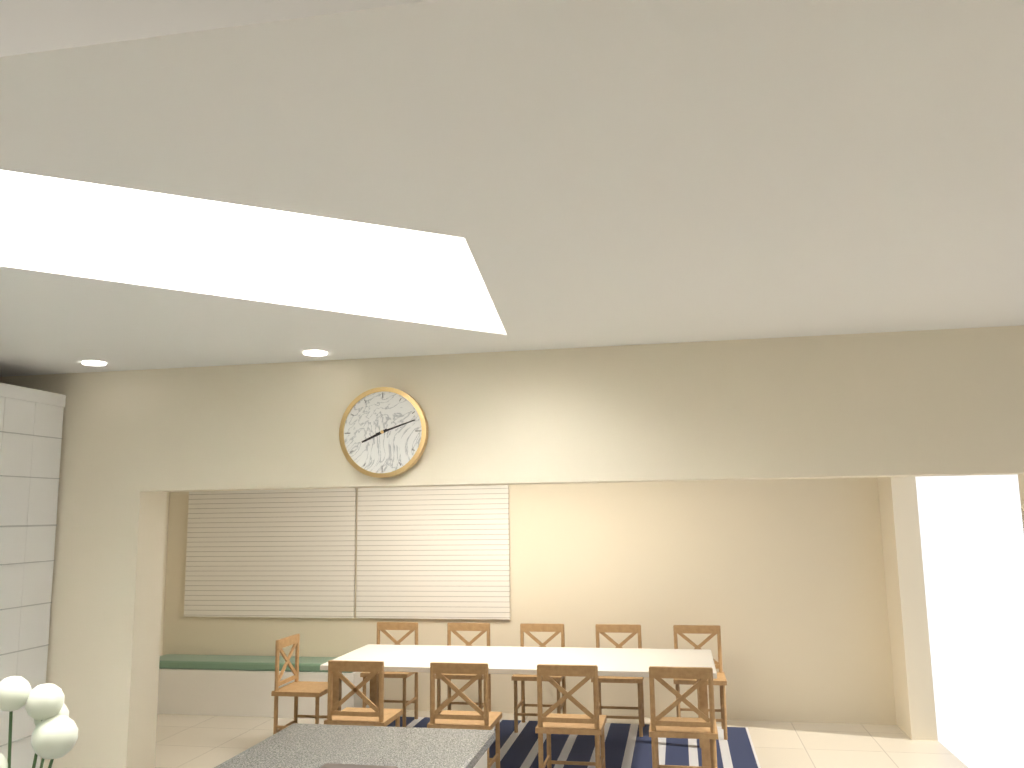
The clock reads **8:12**
